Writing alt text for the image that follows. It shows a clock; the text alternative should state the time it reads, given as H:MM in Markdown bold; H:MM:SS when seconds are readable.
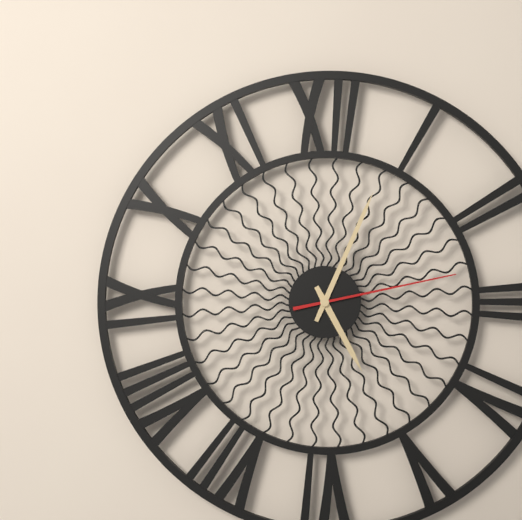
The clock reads **5:04:13**
